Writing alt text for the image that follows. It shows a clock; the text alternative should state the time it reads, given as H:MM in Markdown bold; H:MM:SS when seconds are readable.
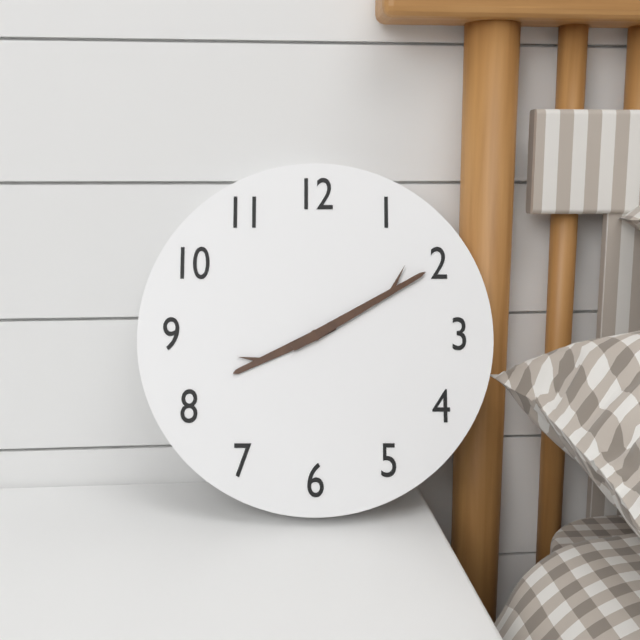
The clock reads **8:10**
